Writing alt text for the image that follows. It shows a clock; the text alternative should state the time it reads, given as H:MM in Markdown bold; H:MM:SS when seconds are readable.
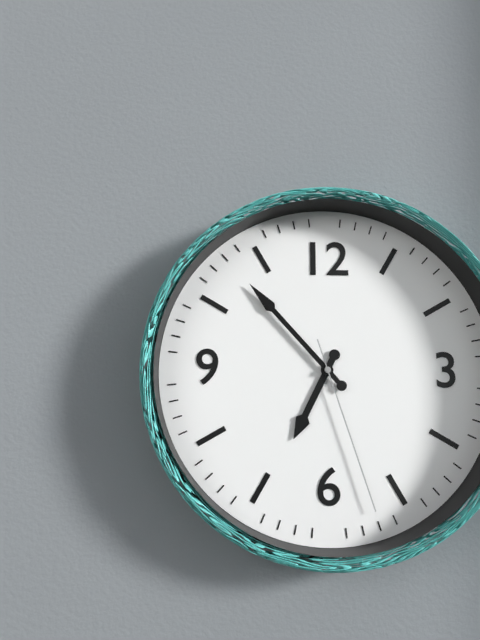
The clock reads **6:53:27**
